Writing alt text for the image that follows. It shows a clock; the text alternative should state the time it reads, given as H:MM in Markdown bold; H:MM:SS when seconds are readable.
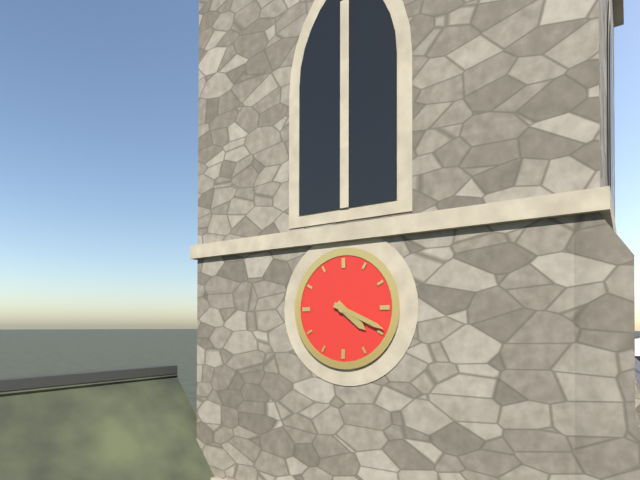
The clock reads **4:19**
